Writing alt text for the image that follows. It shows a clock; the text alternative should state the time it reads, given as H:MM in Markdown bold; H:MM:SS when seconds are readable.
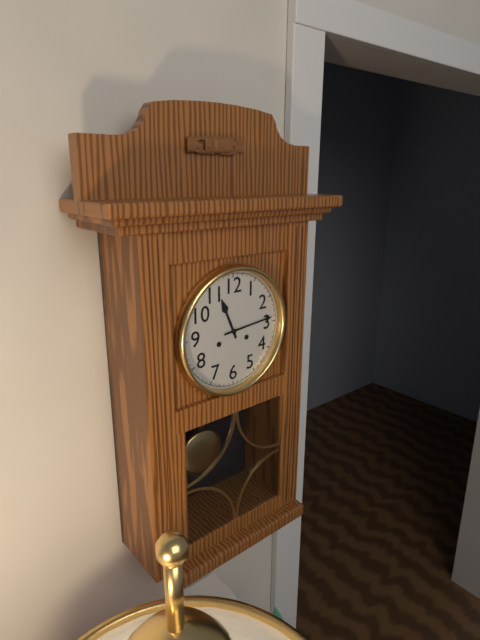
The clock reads **11:14**
